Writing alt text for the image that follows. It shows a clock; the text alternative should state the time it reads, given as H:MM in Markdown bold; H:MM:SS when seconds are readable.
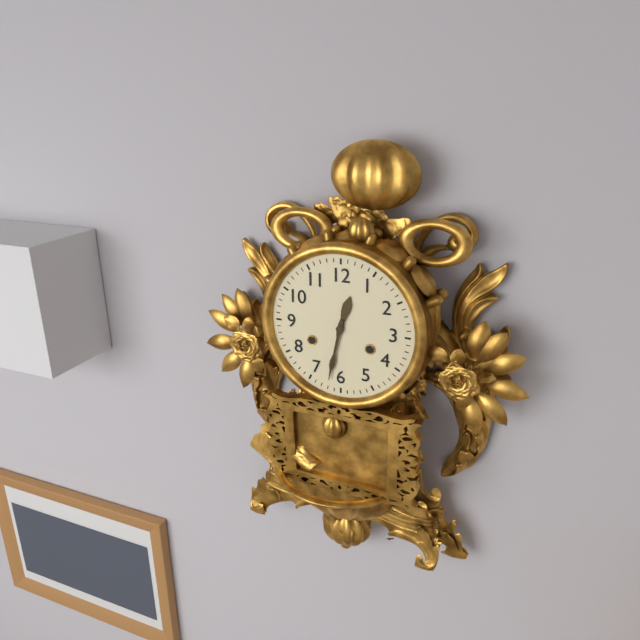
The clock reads **12:32**
